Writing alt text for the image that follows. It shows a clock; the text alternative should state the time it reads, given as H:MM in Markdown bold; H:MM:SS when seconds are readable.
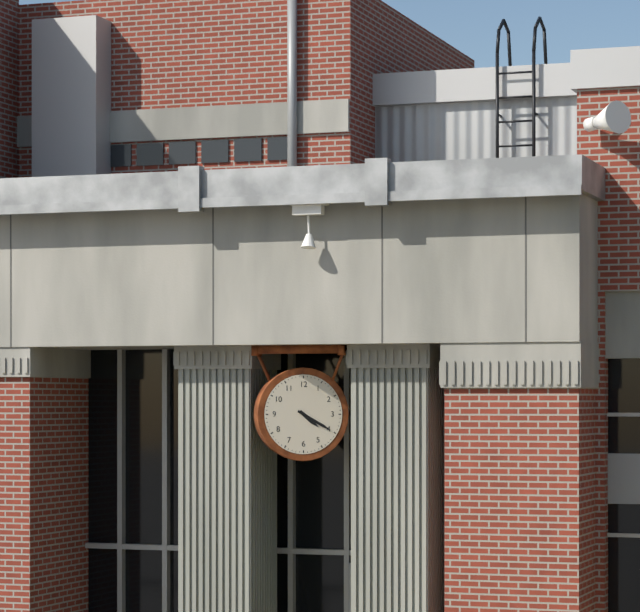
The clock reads **4:20**
